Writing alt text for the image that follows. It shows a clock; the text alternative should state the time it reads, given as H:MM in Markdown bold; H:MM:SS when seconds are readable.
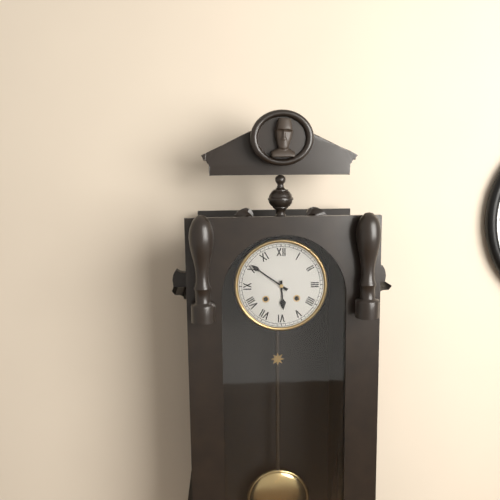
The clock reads **5:51**
